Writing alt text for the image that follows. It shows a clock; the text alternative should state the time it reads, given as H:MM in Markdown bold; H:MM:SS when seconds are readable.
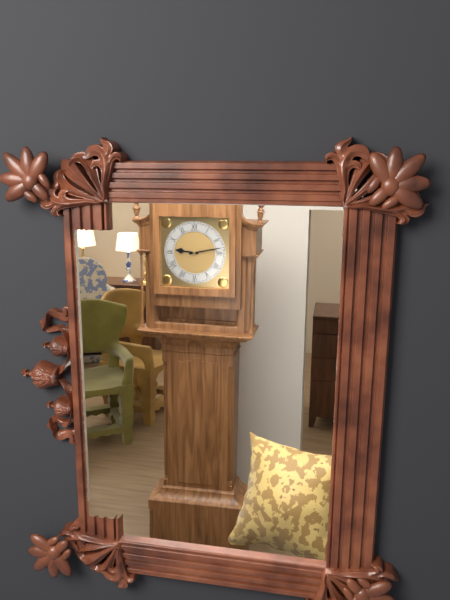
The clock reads **9:13**
